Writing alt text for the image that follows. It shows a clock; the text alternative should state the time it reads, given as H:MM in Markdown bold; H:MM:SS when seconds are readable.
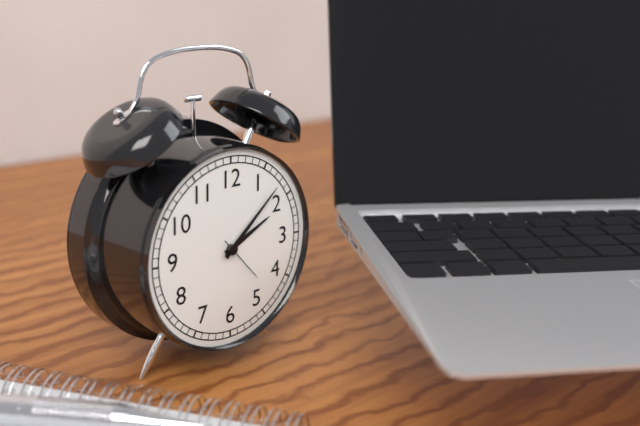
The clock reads **2:08:23**
